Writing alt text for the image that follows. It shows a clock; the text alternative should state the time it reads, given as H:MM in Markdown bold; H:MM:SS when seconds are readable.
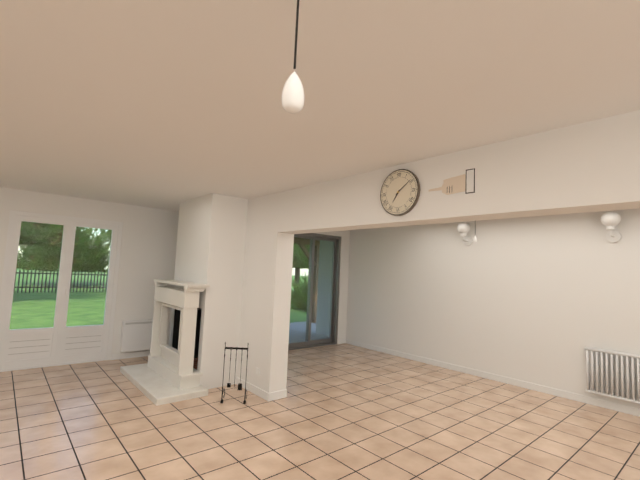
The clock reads **7:09**
